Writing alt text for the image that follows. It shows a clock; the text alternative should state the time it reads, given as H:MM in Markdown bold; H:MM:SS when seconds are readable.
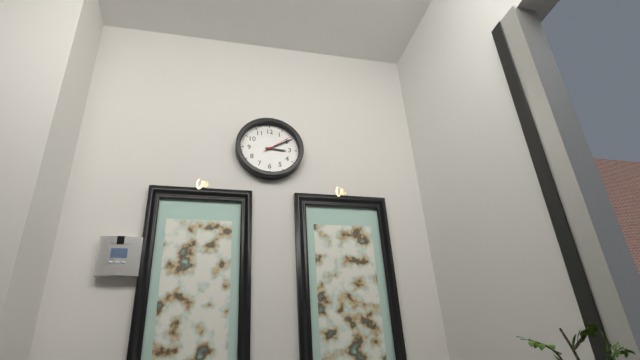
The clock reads **3:10**
